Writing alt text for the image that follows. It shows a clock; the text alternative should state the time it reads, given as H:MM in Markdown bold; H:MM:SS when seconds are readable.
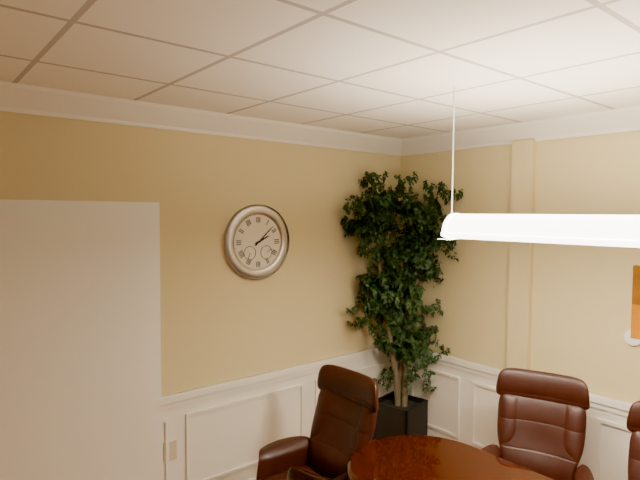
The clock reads **2:08**
